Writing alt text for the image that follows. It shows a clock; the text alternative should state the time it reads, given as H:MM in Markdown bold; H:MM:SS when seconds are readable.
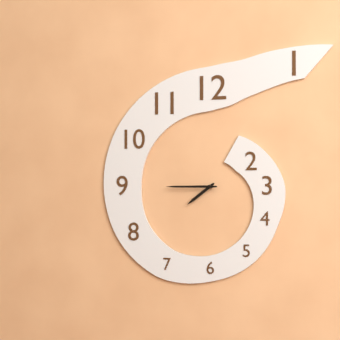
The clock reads **7:45**
